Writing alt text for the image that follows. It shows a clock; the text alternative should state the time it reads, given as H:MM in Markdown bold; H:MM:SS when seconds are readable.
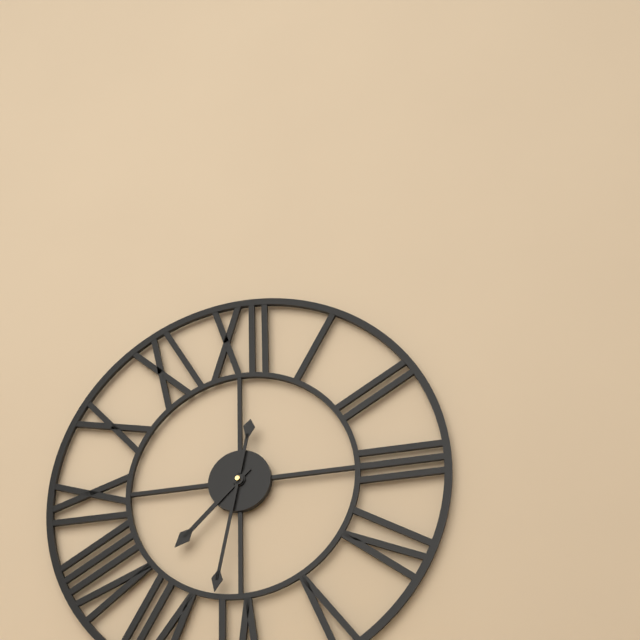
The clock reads **7:32**
